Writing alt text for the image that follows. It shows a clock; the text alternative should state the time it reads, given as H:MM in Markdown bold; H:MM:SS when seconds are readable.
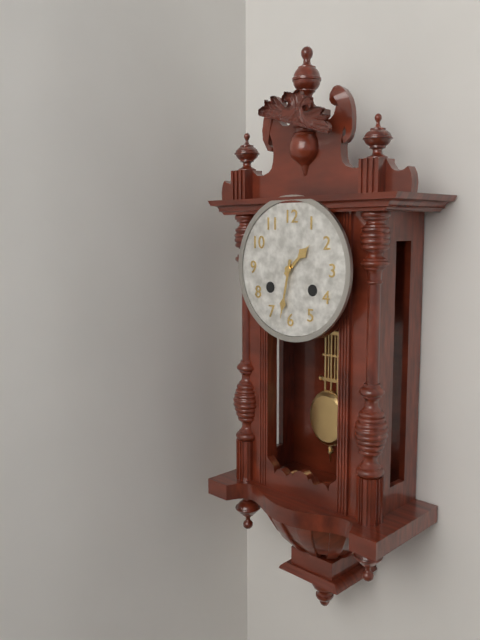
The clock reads **1:32**
